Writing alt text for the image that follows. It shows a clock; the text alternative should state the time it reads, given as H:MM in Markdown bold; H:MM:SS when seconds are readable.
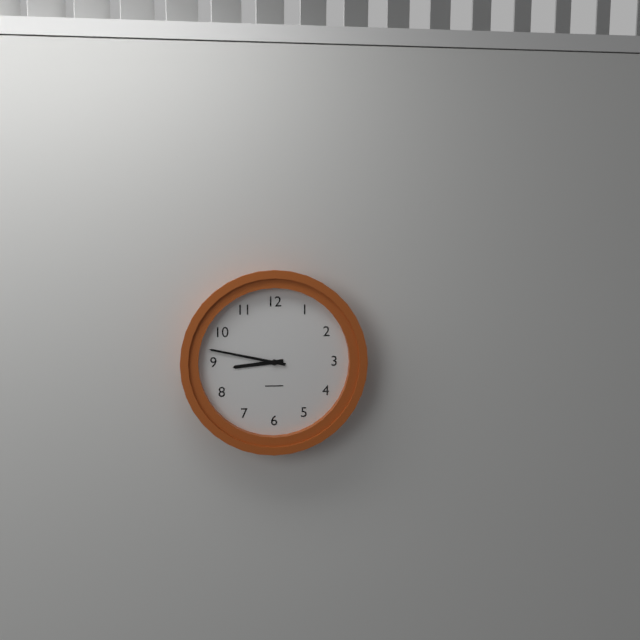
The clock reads **8:47**
